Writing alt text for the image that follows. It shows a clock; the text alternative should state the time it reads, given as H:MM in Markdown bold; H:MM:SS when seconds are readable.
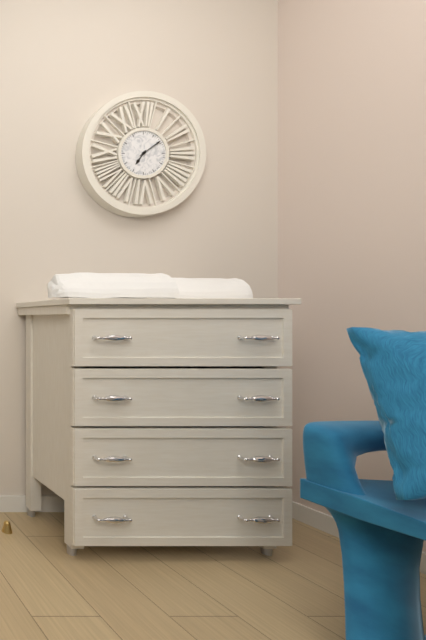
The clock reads **7:09**
